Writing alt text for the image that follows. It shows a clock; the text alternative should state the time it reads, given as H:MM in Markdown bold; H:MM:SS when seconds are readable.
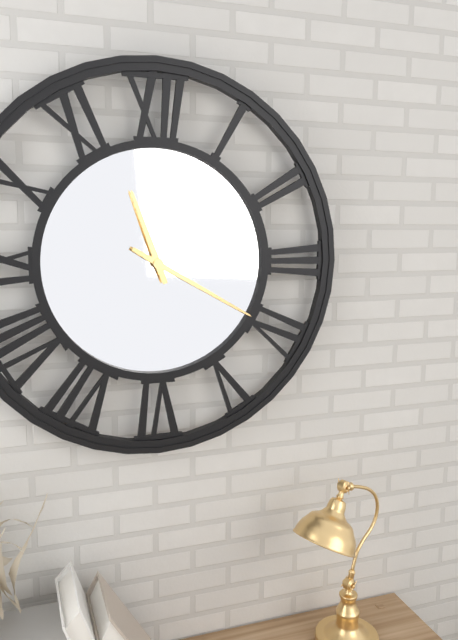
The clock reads **11:20**
